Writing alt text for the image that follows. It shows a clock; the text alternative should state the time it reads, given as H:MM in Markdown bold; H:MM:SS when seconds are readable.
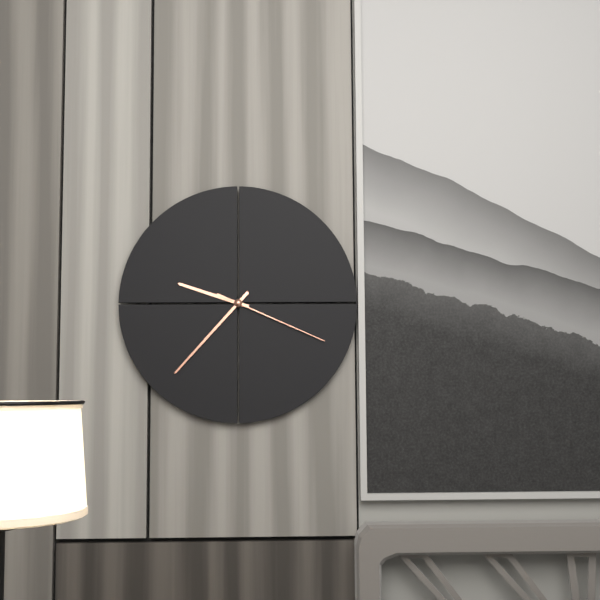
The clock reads **9:37:19**
